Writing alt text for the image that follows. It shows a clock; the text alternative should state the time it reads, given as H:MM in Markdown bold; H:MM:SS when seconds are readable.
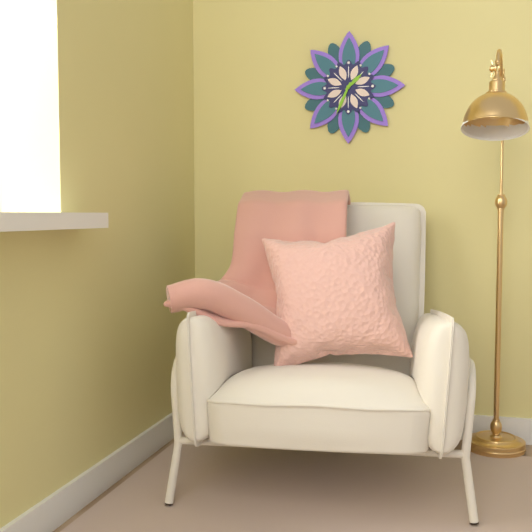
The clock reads **1:34**
